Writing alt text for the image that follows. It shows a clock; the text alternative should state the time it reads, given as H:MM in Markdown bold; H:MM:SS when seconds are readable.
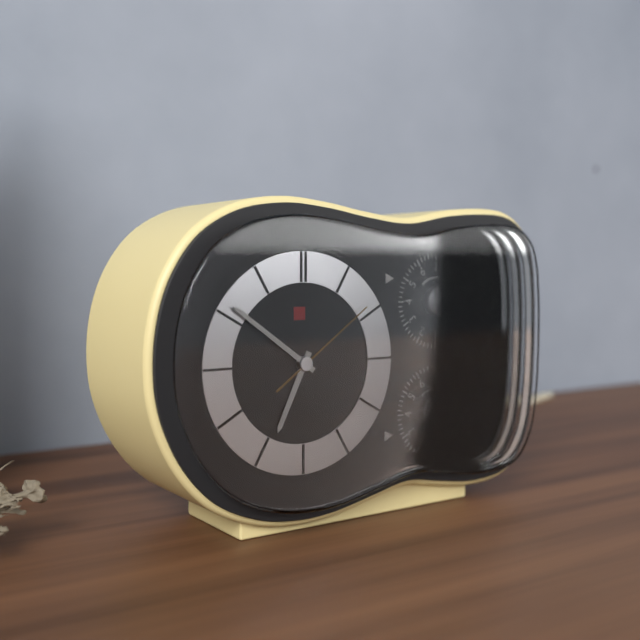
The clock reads **6:51:09**
